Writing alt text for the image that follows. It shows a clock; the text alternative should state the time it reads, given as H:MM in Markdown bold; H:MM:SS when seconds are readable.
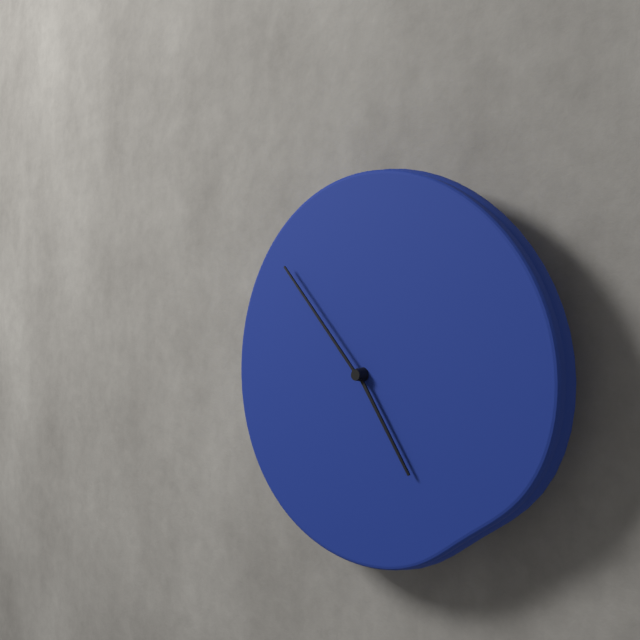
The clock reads **4:53**
